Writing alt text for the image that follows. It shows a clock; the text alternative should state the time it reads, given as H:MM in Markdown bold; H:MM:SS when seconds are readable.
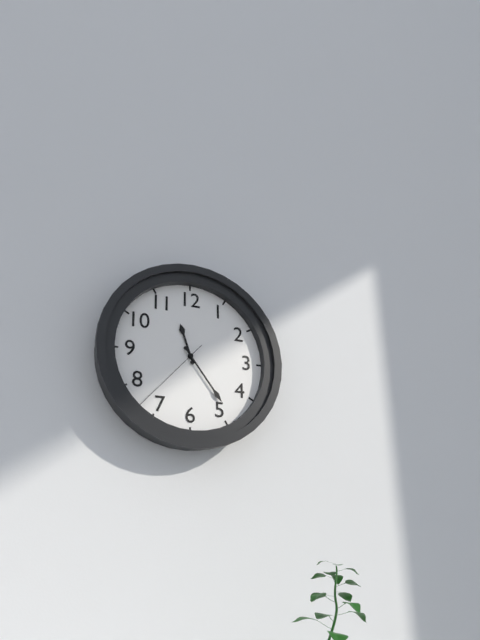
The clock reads **11:24:37**
